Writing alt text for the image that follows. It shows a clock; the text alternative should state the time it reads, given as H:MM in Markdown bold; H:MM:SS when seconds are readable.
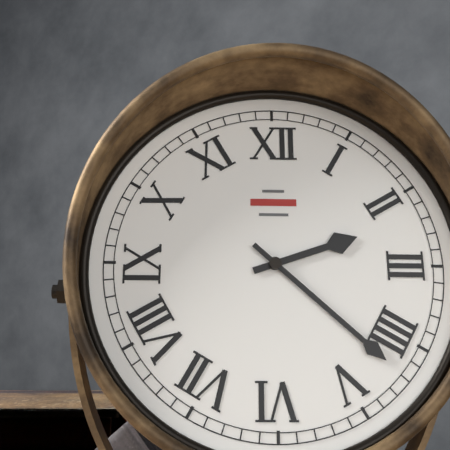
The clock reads **2:22**
